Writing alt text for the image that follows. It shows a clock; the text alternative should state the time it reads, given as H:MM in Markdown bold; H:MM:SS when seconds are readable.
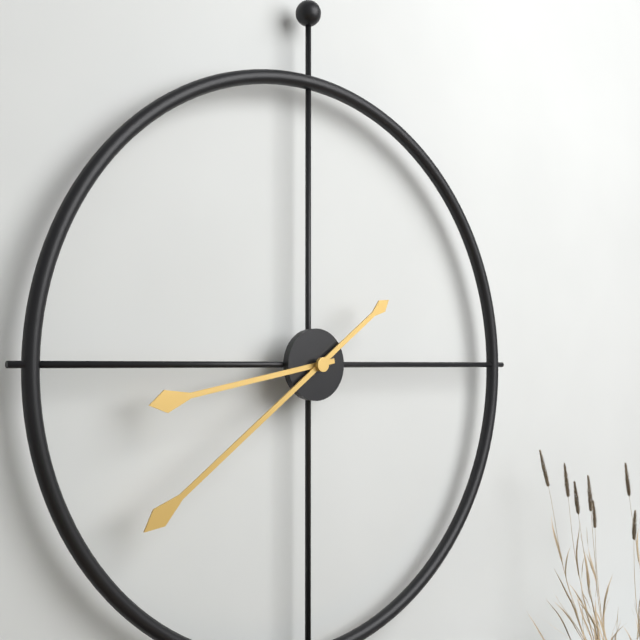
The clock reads **8:39**
